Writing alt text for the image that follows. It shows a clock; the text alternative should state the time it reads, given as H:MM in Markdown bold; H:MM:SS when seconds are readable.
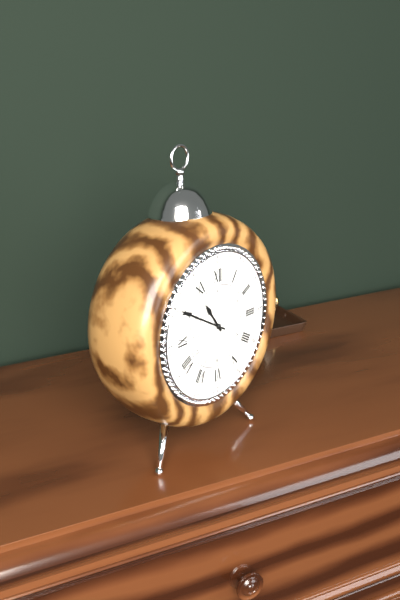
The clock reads **10:50**
